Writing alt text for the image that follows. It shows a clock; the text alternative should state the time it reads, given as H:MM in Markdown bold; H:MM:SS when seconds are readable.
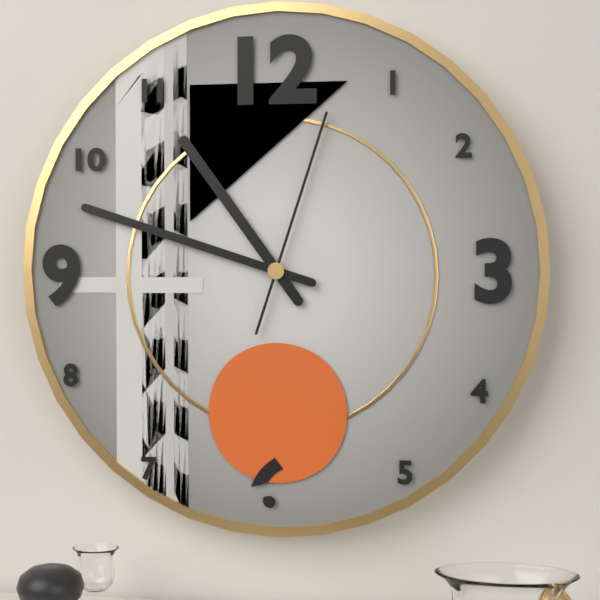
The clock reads **10:48:03**
